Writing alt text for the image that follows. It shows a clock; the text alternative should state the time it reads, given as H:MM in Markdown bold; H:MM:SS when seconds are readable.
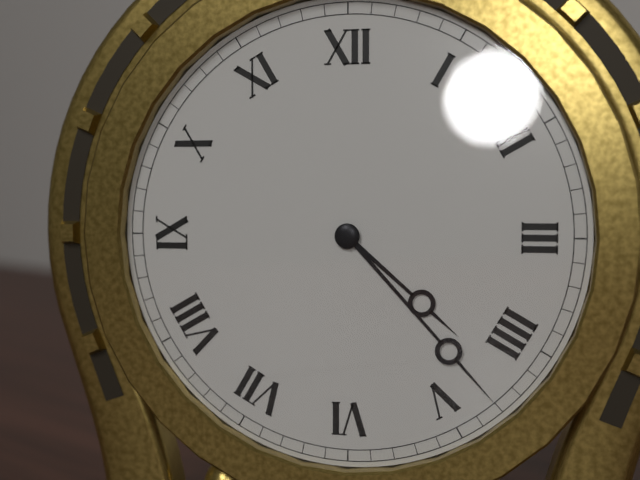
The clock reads **4:23**
